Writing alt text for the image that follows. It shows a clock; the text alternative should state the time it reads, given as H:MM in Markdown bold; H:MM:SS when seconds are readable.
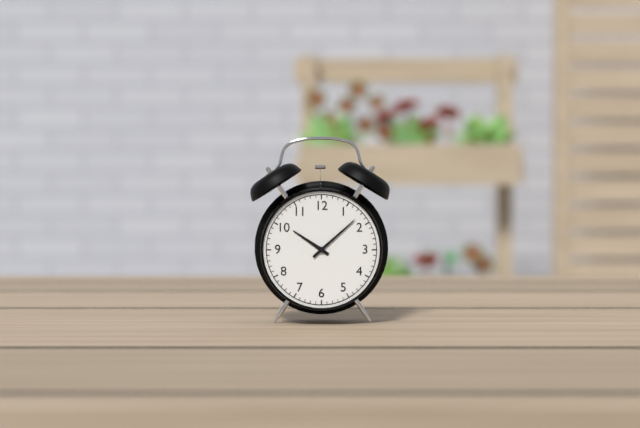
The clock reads **10:08**
